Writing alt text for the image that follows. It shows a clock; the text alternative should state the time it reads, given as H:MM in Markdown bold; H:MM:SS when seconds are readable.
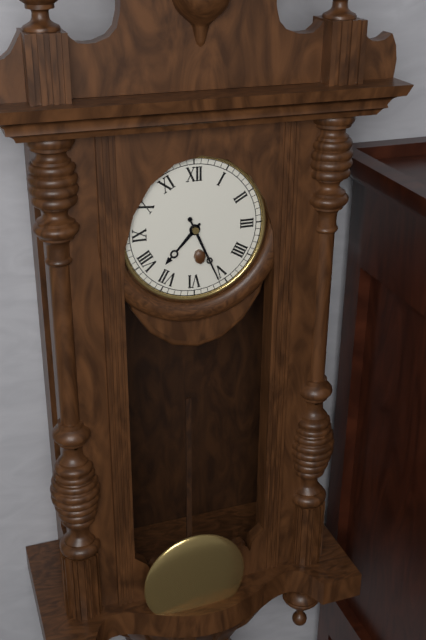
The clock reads **7:26**
